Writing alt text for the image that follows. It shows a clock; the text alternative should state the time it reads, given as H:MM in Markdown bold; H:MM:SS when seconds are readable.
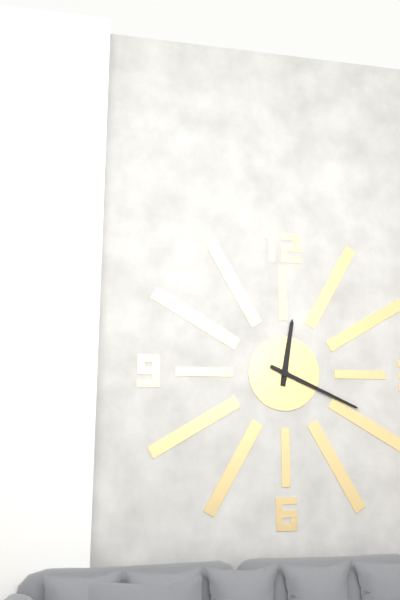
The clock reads **12:19**
